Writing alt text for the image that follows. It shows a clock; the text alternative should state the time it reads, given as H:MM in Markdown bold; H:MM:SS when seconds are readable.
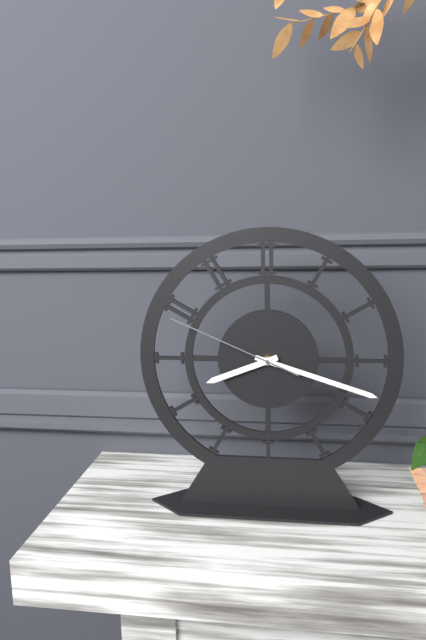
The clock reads **8:18:49**
